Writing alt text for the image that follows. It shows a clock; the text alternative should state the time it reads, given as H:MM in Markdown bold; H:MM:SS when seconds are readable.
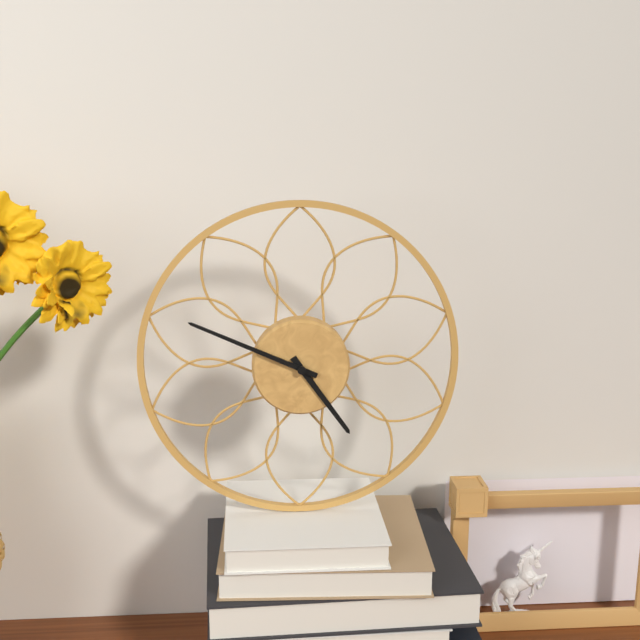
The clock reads **4:49**
